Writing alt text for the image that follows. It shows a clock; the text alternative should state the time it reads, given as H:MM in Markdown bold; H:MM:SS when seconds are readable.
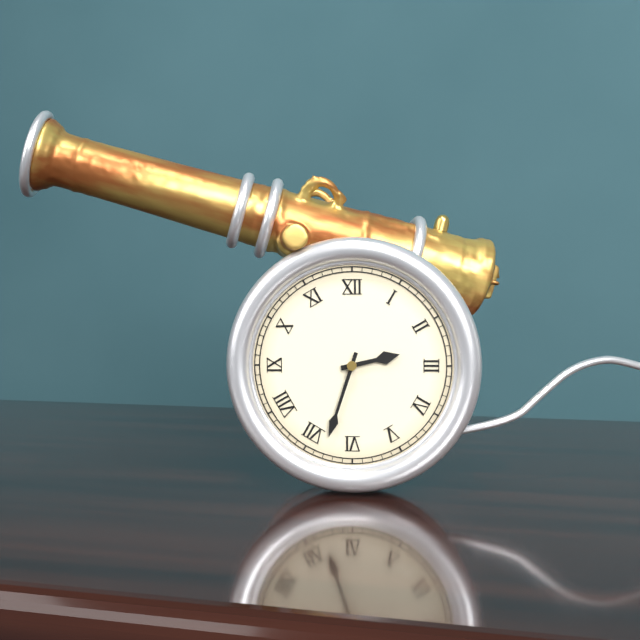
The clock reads **2:33**
